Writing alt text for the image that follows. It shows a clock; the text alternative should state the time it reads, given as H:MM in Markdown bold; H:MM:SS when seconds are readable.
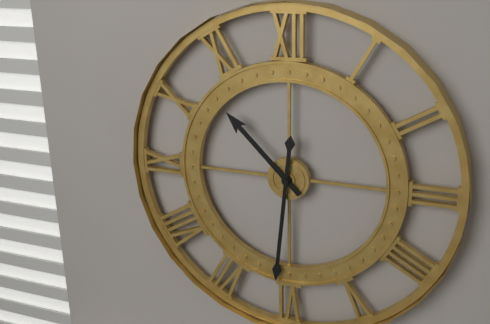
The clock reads **10:31**
